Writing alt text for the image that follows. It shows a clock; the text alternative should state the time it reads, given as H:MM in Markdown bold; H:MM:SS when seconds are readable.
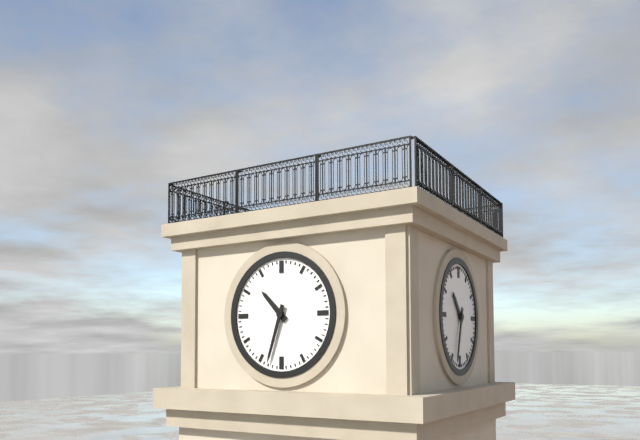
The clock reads **10:33**
